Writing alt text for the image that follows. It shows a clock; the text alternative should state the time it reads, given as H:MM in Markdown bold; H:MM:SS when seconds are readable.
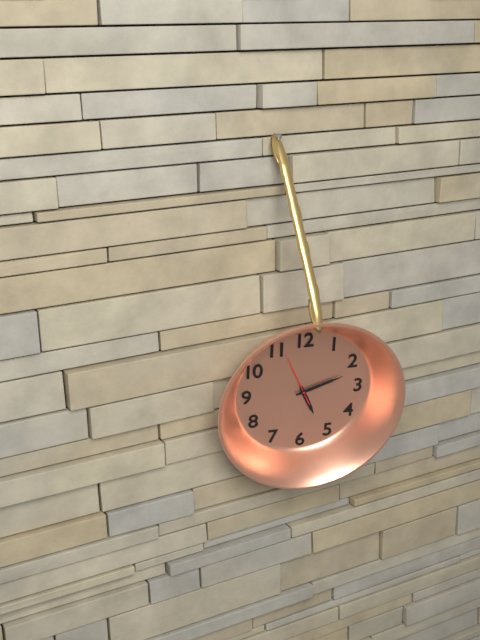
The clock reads **5:12**
